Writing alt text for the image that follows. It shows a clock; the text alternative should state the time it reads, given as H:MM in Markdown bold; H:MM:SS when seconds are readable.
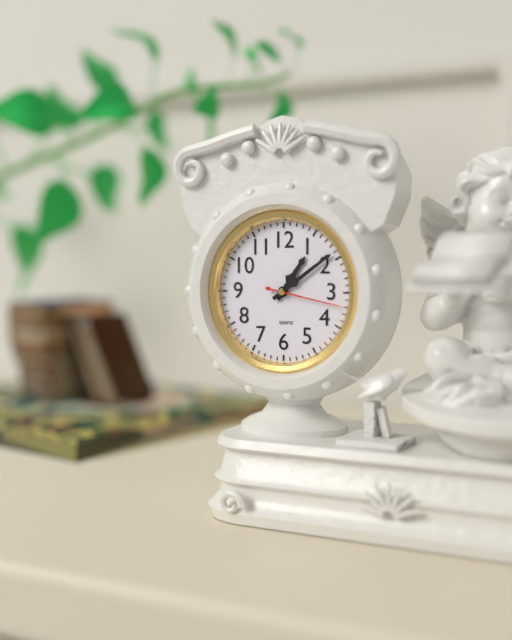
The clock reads **1:09:17**
